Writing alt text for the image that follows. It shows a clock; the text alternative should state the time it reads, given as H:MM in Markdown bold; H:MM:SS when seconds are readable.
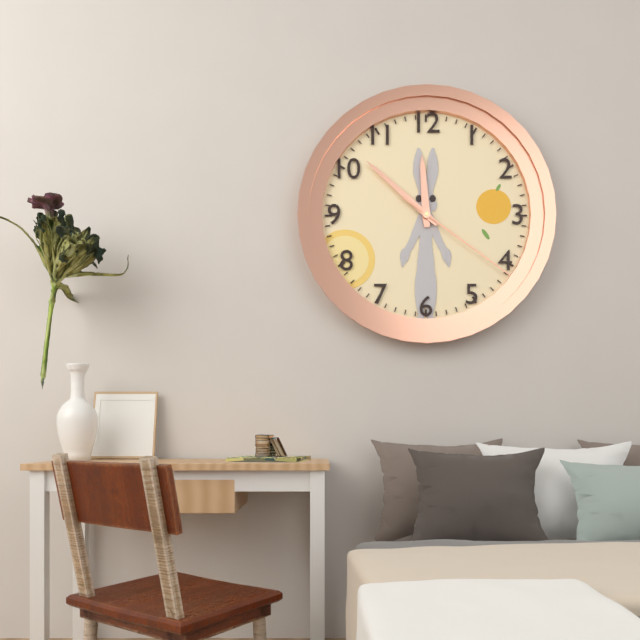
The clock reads **11:52:21**
